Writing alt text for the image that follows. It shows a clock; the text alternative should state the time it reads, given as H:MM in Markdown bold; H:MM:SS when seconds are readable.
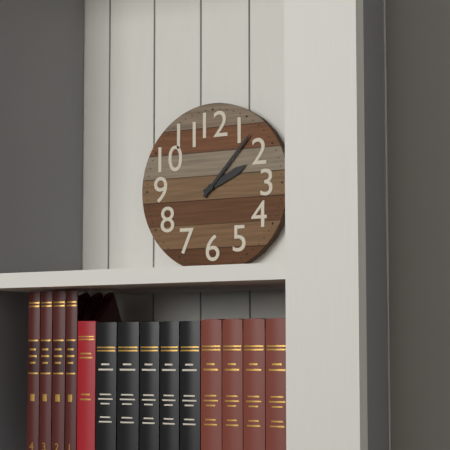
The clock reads **2:07**
